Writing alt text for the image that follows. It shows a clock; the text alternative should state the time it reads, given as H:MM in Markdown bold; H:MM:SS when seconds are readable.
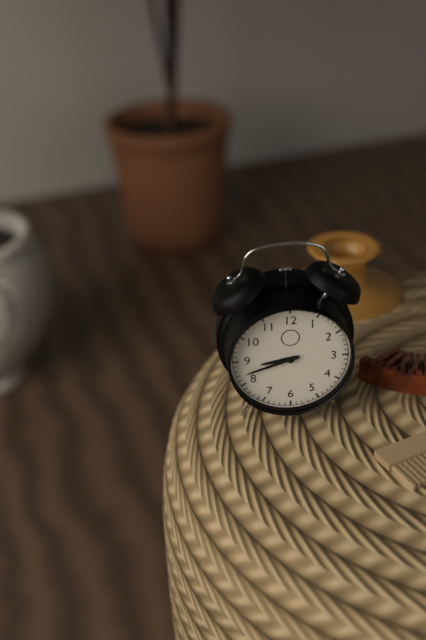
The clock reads **8:42**
